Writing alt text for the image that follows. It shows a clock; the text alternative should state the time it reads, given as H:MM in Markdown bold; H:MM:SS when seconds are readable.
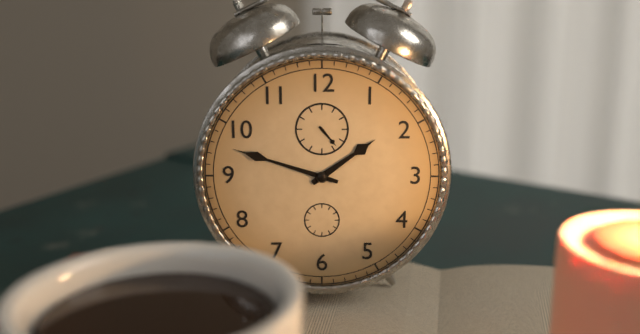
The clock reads **1:48**
